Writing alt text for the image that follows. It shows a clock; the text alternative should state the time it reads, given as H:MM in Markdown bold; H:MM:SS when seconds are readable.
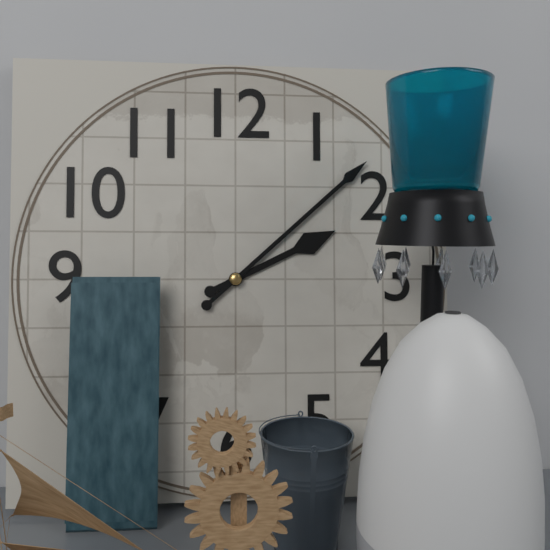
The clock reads **2:08**
